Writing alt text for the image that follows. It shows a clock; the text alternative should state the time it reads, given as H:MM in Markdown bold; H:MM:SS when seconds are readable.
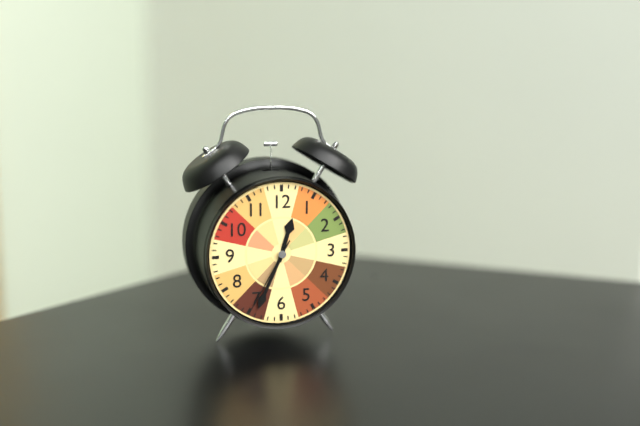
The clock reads **12:34:35**
